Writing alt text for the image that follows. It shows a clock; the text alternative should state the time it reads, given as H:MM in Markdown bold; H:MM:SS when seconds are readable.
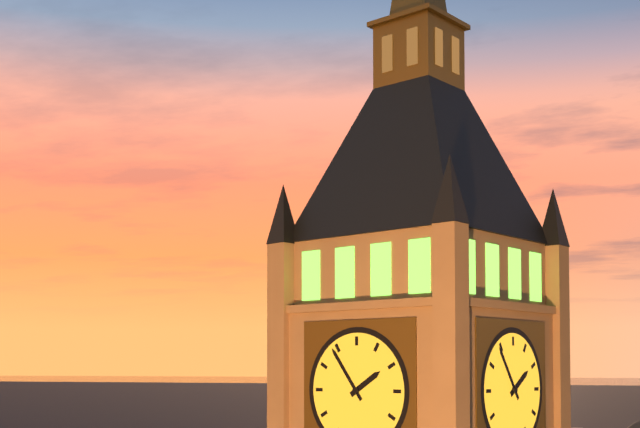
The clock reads **1:54**
